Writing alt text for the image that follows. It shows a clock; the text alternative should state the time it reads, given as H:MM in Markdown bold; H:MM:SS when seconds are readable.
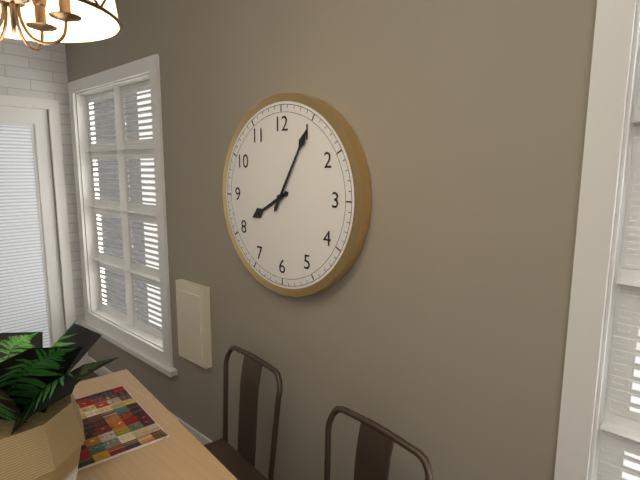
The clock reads **8:05**
